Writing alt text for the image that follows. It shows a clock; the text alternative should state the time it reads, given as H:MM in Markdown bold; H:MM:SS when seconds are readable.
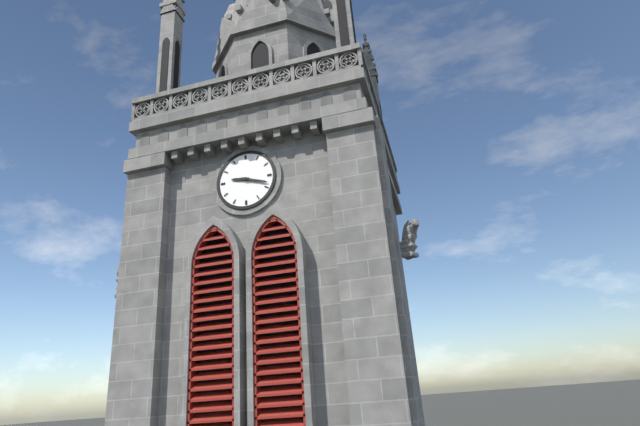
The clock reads **9:18**
